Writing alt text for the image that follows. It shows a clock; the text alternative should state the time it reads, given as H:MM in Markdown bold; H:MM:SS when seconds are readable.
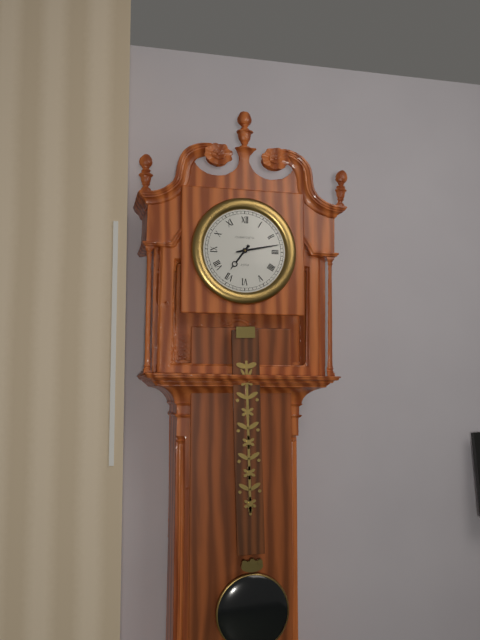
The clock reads **7:13**
